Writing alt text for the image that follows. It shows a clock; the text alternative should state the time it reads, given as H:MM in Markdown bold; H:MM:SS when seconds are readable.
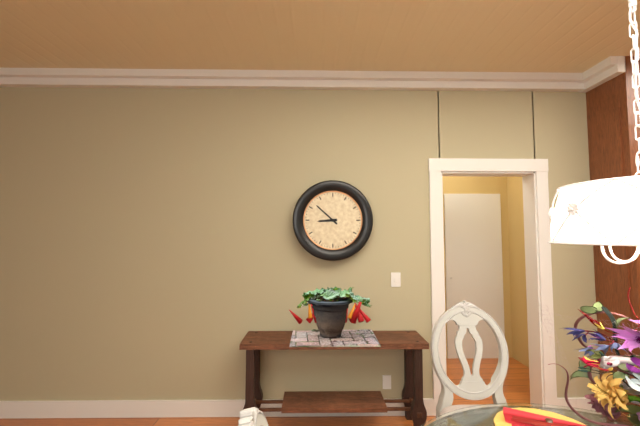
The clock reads **8:52**
